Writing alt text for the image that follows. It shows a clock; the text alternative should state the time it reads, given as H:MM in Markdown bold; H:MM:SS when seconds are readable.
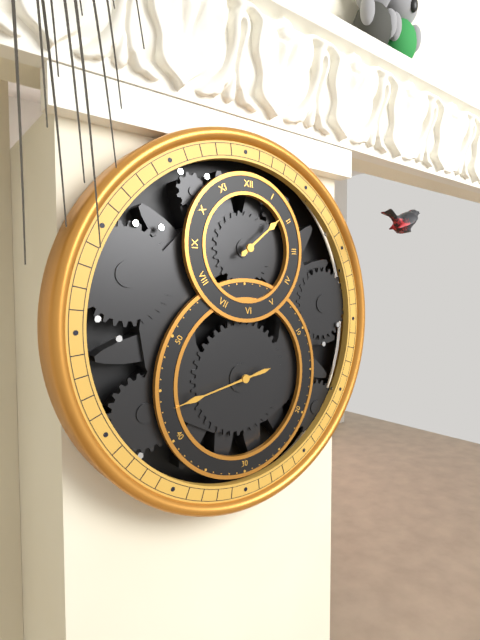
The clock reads **1:43**
